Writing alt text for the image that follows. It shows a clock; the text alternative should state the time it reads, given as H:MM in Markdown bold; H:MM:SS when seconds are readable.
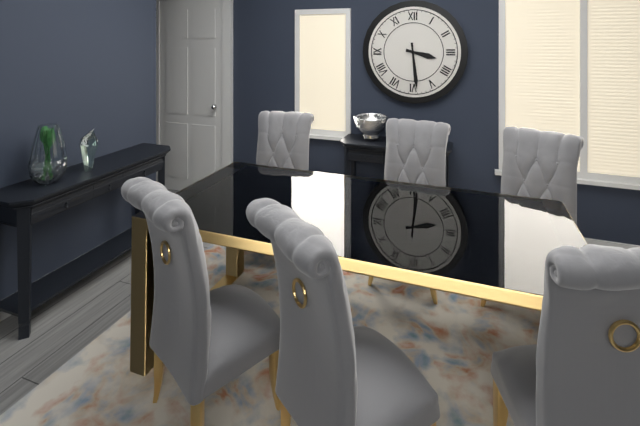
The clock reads **3:29**
